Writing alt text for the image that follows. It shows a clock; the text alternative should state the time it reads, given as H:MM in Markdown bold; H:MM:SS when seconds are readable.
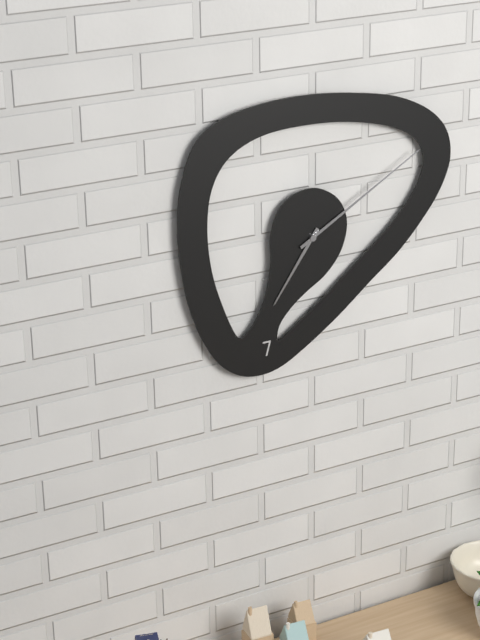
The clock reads **7:10**
